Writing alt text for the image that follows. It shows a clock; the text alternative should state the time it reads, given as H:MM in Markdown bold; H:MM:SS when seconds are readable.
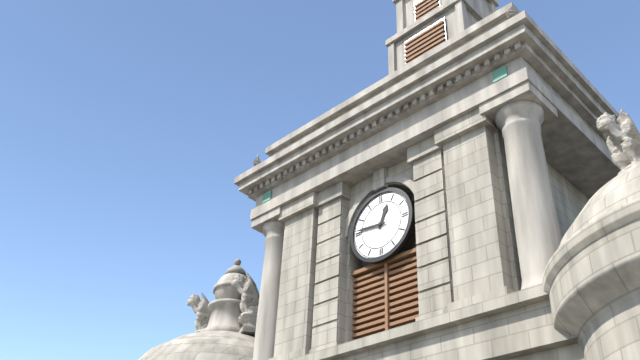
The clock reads **12:46**
